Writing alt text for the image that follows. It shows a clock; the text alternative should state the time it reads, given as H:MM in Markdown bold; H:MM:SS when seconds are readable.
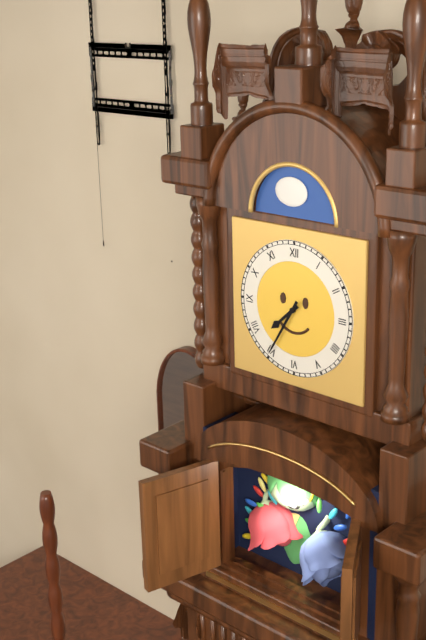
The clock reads **7:35**
